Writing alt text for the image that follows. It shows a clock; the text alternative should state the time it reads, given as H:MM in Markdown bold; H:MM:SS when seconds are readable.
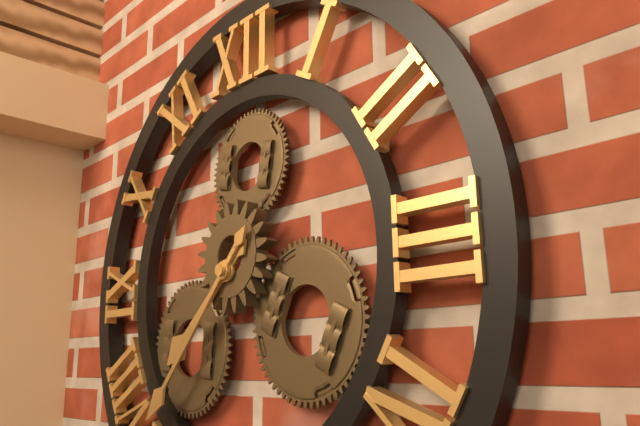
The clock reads **7:37**
